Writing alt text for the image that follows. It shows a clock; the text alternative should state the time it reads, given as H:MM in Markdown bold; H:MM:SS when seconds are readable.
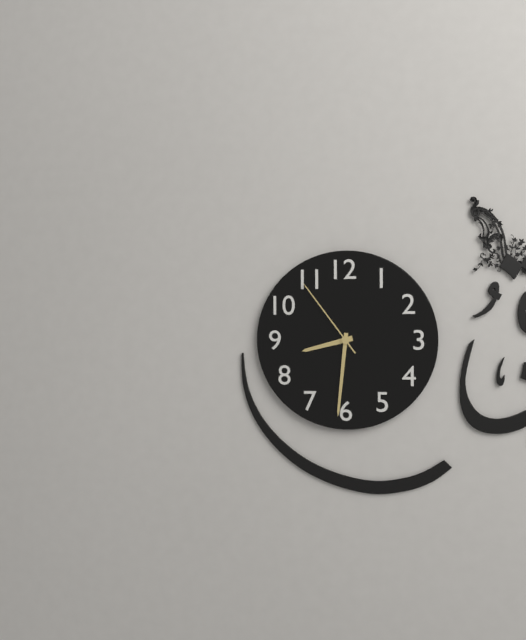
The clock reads **8:31:54**
